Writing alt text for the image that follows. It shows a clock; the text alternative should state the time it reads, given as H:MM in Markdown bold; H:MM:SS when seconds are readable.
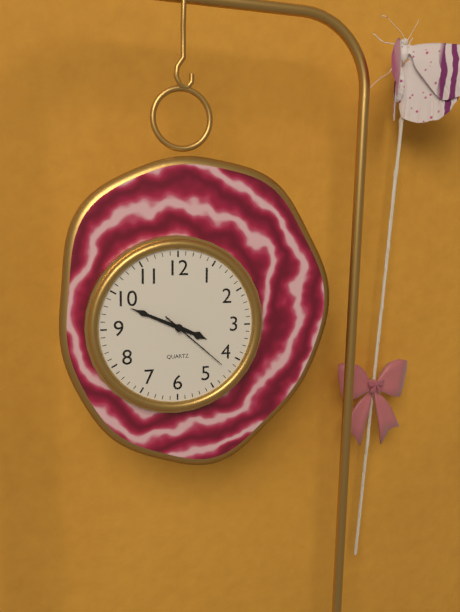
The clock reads **3:49:22**
